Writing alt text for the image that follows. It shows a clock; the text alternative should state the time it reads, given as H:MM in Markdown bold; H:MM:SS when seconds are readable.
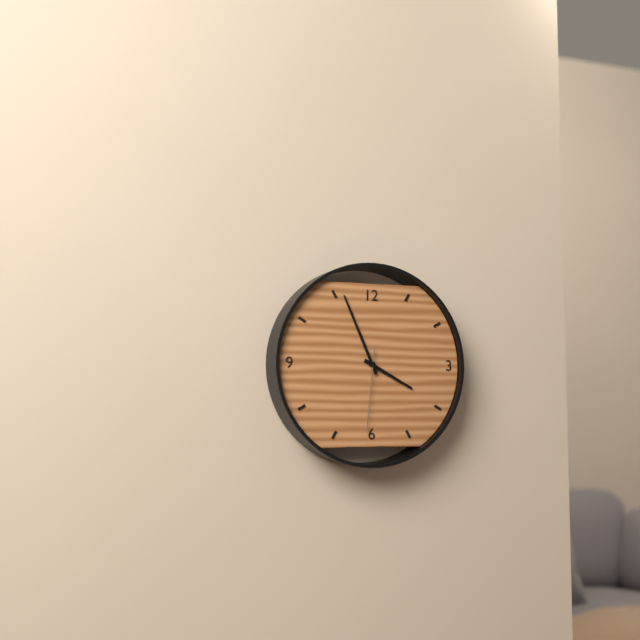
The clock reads **3:56:31**
